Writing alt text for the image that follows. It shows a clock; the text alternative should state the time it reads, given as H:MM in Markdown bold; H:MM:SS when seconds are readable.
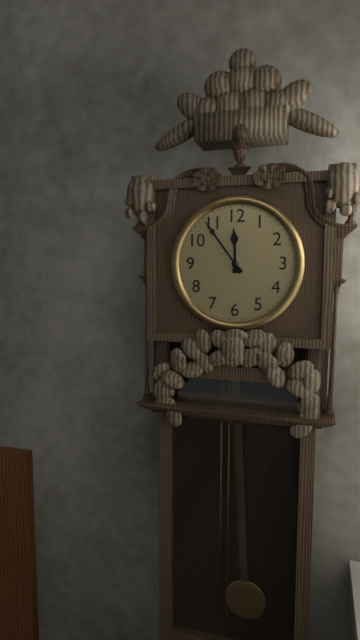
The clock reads **11:54**
